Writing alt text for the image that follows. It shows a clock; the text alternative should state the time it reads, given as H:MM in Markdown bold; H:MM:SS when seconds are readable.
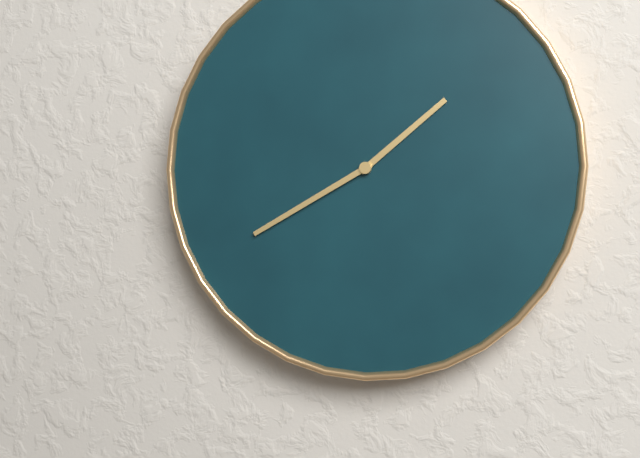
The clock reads **1:40**
